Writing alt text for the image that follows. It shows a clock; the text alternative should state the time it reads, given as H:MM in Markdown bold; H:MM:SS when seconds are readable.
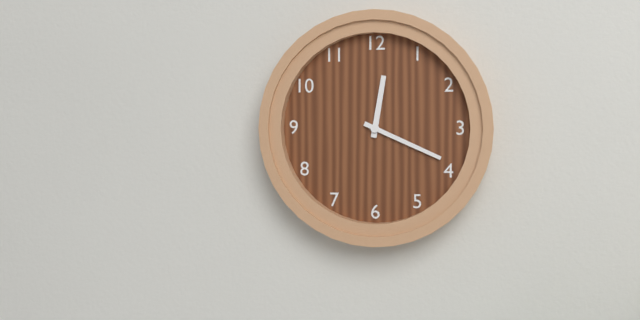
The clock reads **12:19**
